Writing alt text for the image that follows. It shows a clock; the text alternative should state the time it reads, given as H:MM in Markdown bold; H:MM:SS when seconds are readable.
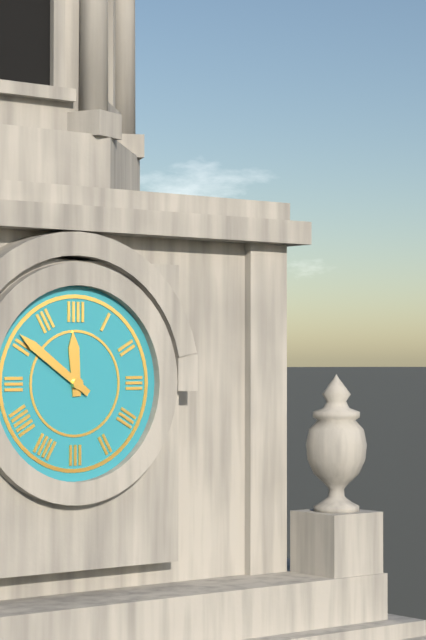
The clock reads **11:51**
